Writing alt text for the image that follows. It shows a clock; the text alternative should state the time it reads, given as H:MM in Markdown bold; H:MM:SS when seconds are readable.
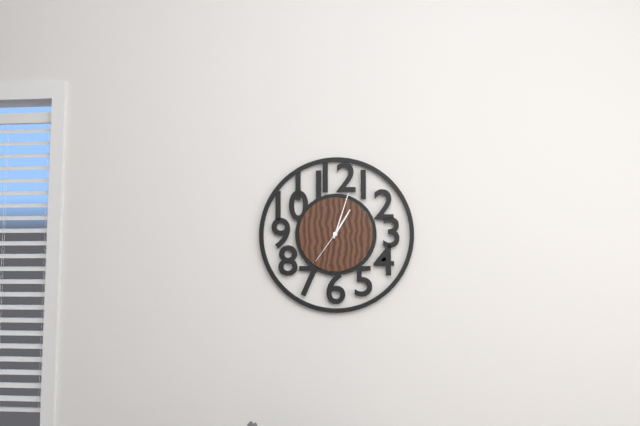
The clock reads **1:03**
